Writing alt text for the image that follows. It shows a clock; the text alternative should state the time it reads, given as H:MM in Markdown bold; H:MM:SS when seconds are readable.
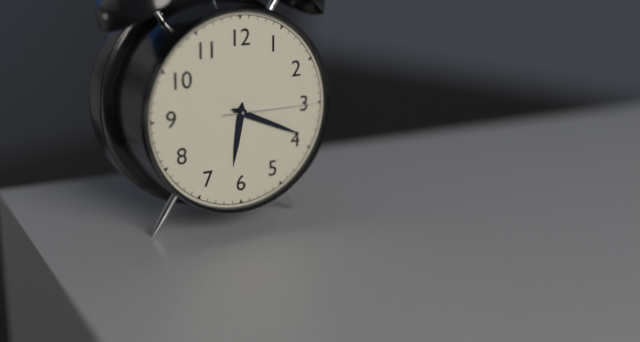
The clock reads **6:19:15**
